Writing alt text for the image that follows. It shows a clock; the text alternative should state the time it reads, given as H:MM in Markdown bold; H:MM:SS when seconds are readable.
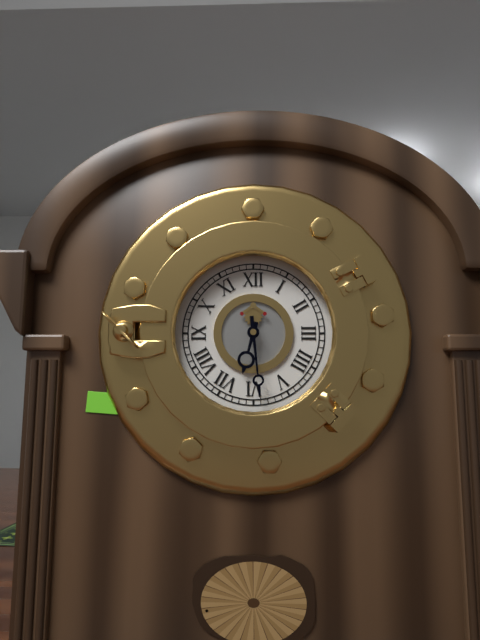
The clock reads **6:29**
